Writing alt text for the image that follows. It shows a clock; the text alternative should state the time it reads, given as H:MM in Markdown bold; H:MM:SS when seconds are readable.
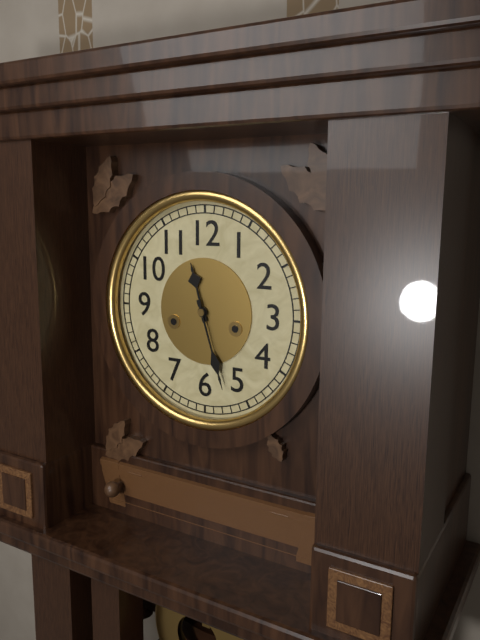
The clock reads **11:27**
